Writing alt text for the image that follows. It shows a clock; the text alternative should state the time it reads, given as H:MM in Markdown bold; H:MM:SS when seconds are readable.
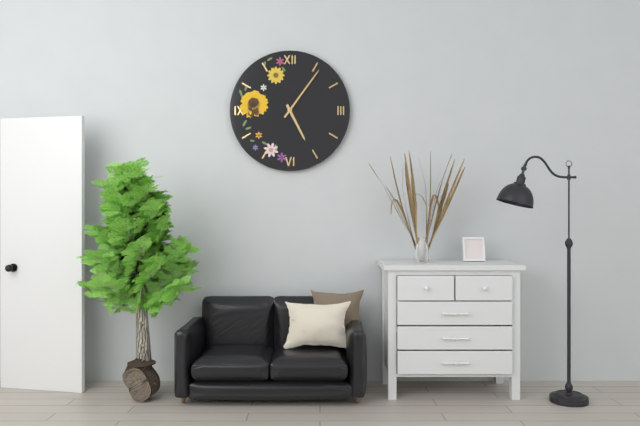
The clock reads **5:06**
